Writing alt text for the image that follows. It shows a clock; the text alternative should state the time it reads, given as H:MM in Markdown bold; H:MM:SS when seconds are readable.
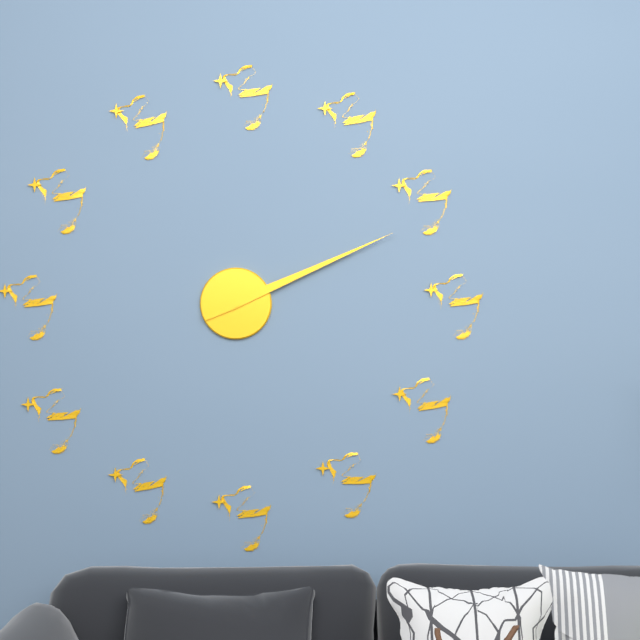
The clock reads **2:11**
